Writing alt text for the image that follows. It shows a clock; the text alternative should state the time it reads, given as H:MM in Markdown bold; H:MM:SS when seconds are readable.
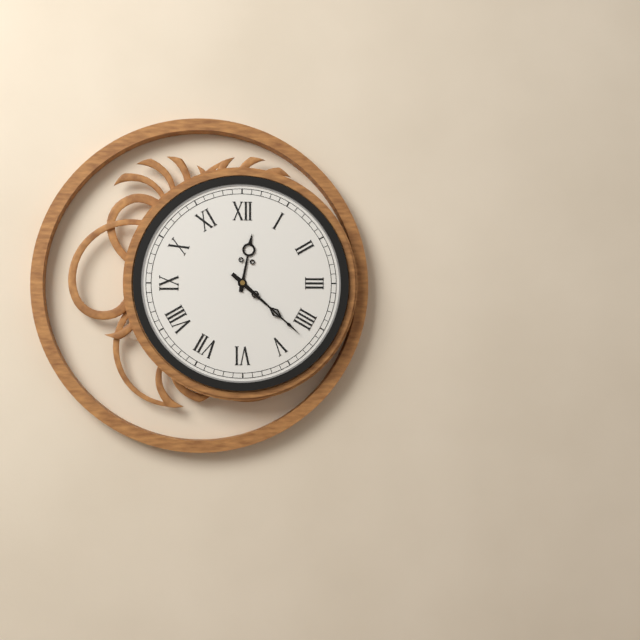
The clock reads **12:22**
